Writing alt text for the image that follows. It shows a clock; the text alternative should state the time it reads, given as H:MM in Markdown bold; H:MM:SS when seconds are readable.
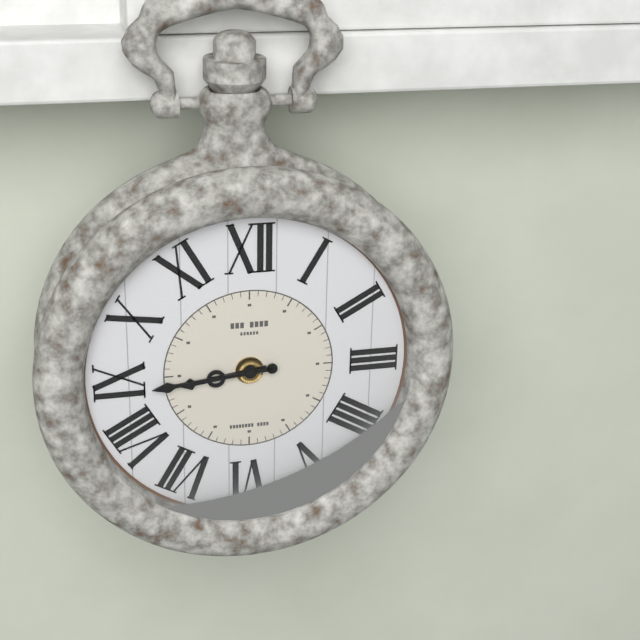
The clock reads **8:44**
